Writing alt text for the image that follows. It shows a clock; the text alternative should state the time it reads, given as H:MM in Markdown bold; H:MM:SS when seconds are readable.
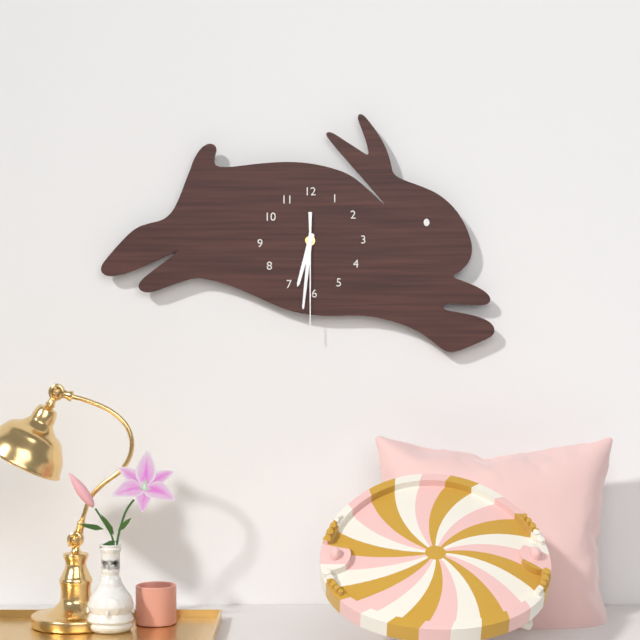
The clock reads **6:31:30**
